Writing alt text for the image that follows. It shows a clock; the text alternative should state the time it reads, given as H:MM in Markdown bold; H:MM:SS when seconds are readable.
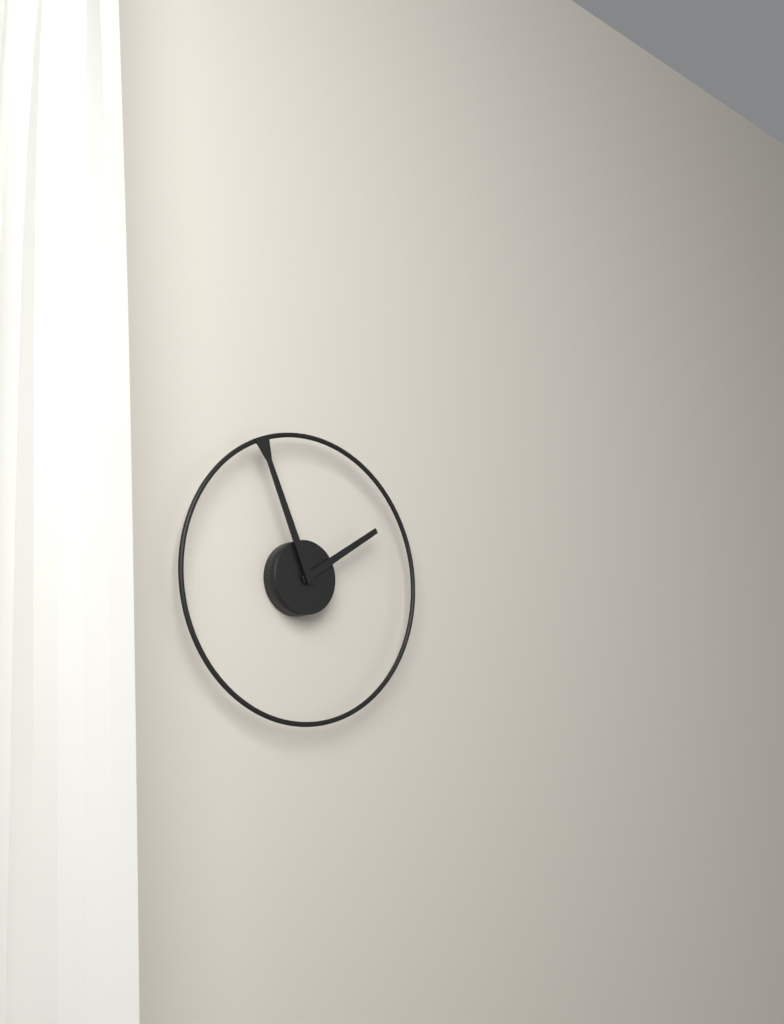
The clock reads **1:56**
